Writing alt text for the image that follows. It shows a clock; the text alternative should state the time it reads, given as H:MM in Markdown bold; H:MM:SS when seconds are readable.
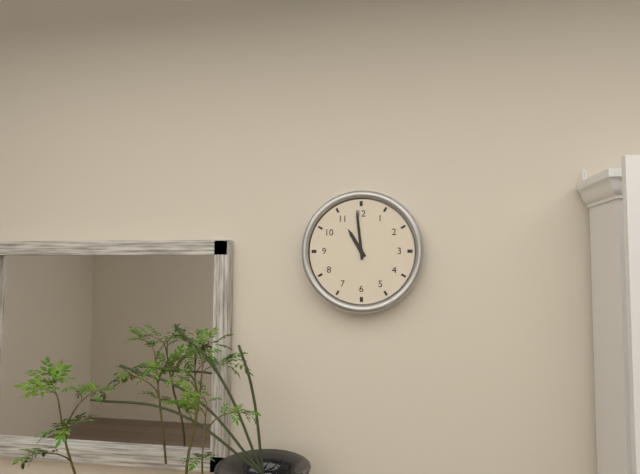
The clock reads **10:59**
